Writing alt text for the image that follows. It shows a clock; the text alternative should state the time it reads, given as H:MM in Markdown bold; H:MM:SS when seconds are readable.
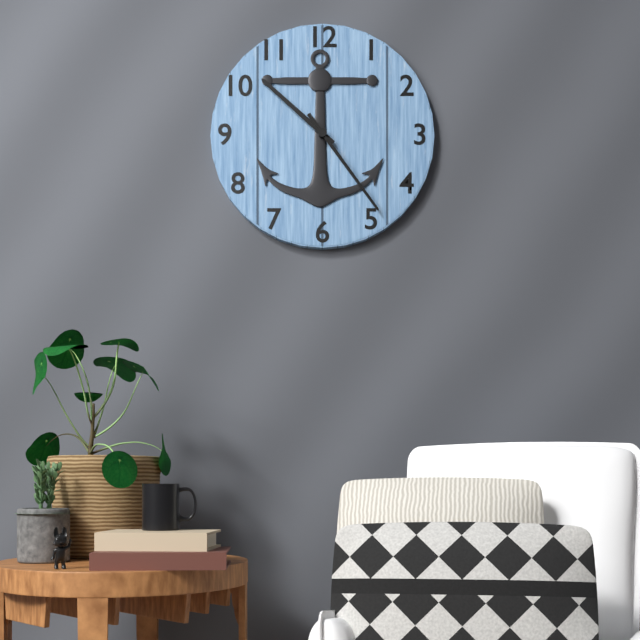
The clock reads **10:24:24**
